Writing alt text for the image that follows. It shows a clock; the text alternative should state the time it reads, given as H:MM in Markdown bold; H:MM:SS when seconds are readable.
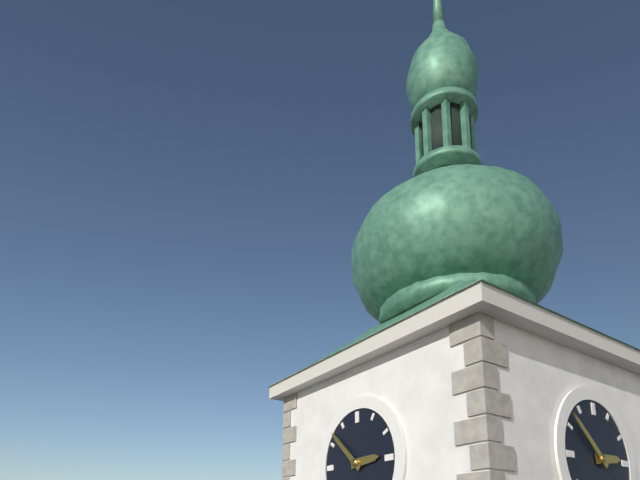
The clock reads **2:52**
